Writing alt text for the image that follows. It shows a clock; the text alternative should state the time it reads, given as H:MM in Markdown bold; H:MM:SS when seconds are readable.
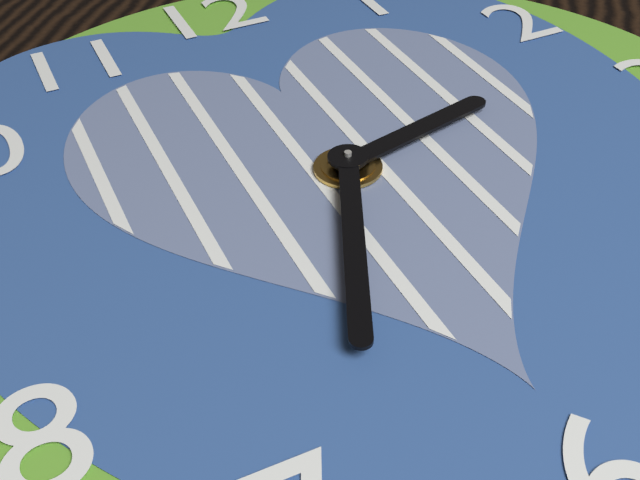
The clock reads **2:34**
